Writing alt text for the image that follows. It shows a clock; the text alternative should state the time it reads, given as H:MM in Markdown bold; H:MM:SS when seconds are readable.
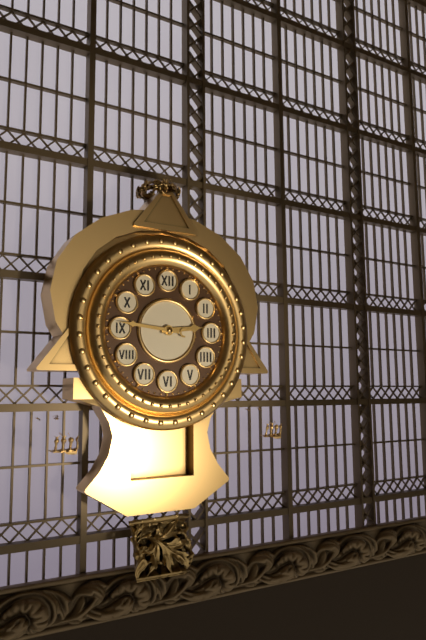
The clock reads **2:46**
